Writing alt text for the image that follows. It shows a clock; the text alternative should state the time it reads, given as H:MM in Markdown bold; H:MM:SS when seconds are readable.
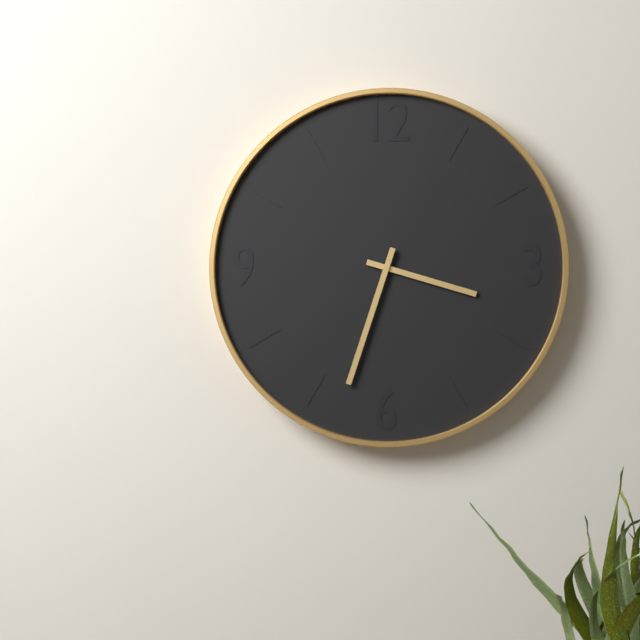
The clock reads **3:33**
